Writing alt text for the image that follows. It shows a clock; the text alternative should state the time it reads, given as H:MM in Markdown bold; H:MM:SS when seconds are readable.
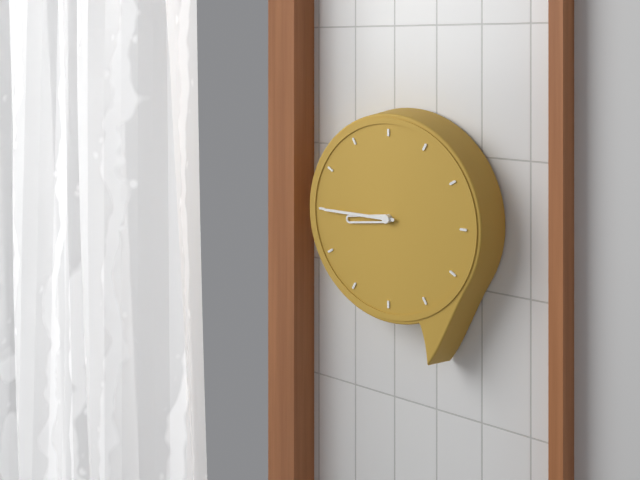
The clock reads **8:45**
